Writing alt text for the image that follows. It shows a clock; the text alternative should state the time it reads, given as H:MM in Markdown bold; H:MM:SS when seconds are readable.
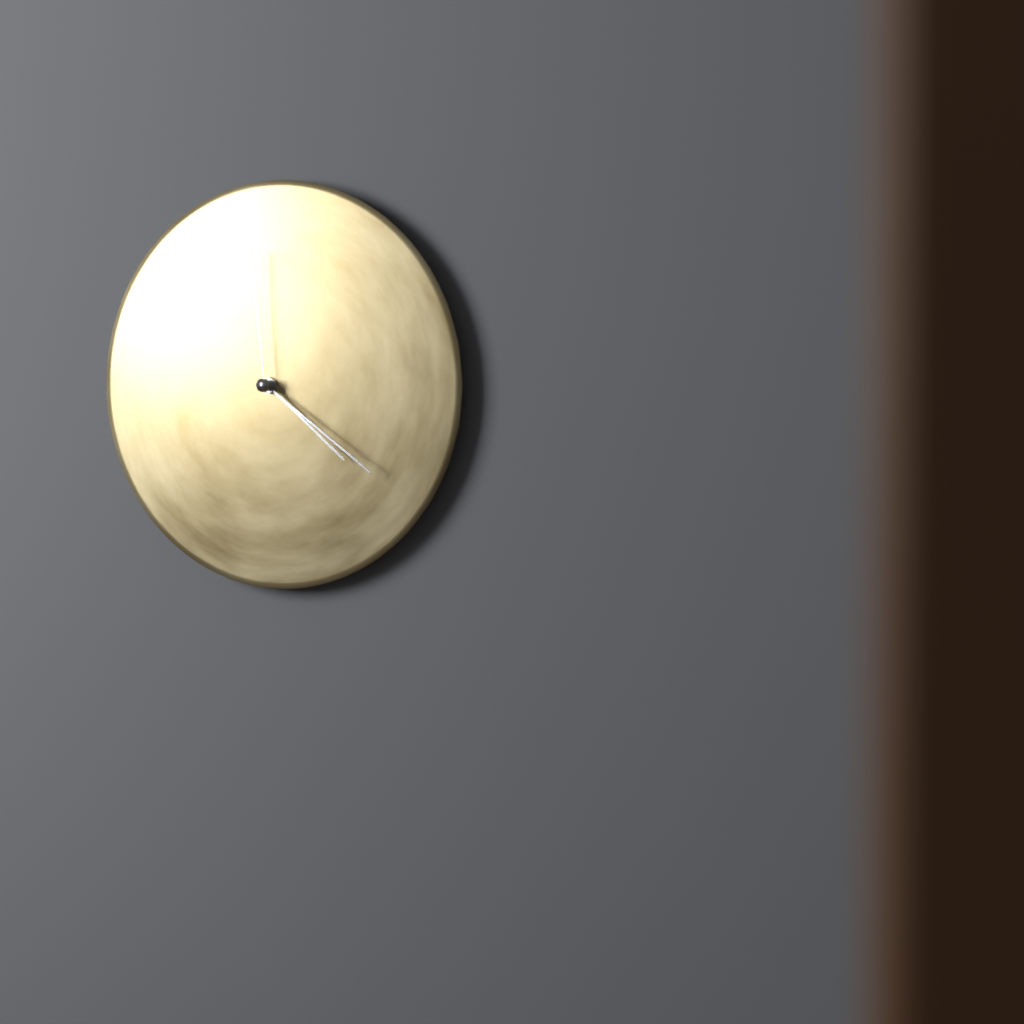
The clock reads **4:21:59**
